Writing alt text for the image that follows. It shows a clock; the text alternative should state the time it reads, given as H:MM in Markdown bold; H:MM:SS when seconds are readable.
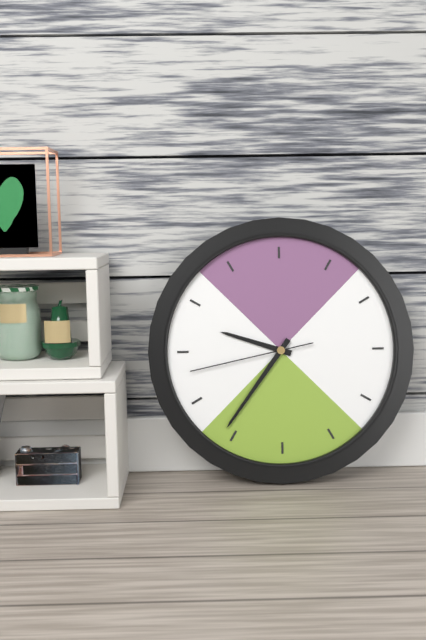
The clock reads **9:36:43**
